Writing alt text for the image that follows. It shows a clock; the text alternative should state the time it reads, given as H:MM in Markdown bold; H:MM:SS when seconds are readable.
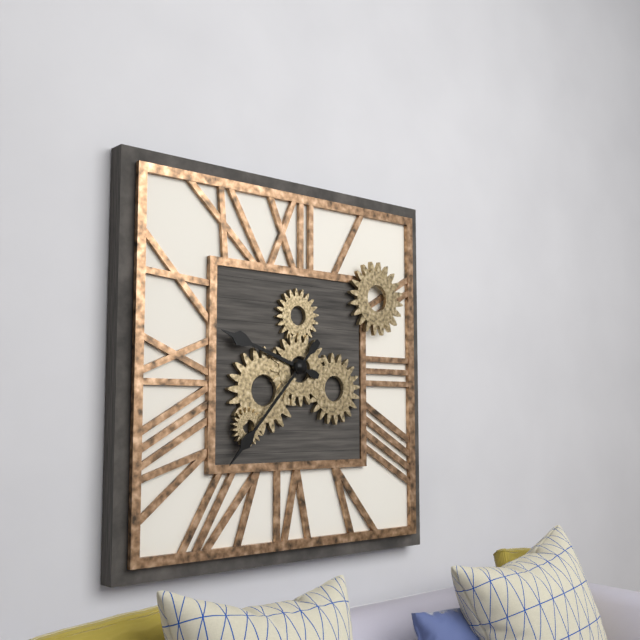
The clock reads **9:37**
